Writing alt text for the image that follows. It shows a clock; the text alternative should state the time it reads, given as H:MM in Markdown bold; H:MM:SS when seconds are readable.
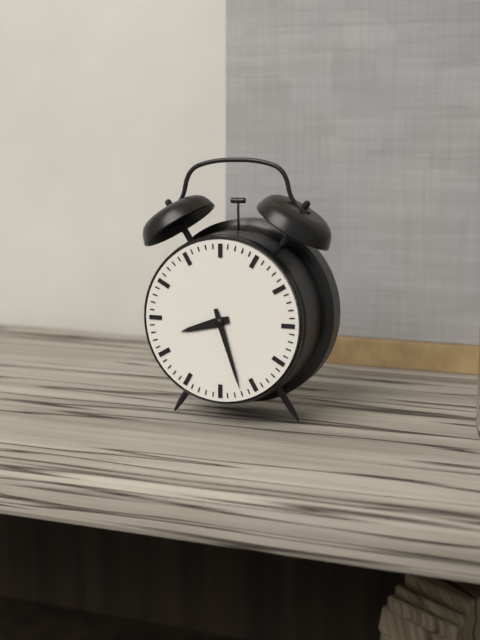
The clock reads **8:27**
